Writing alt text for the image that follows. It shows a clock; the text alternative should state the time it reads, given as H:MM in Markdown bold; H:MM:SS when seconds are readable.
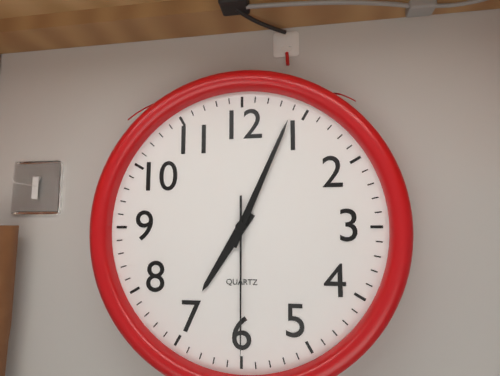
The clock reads **7:04:30**
